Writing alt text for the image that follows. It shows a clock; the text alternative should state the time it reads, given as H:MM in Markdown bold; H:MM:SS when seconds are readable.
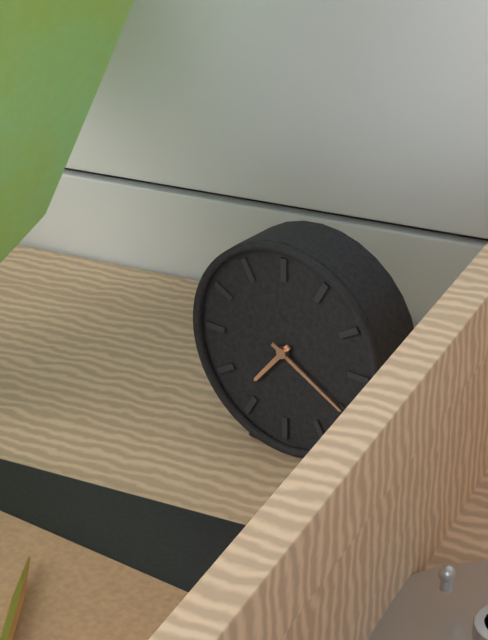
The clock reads **7:20**
